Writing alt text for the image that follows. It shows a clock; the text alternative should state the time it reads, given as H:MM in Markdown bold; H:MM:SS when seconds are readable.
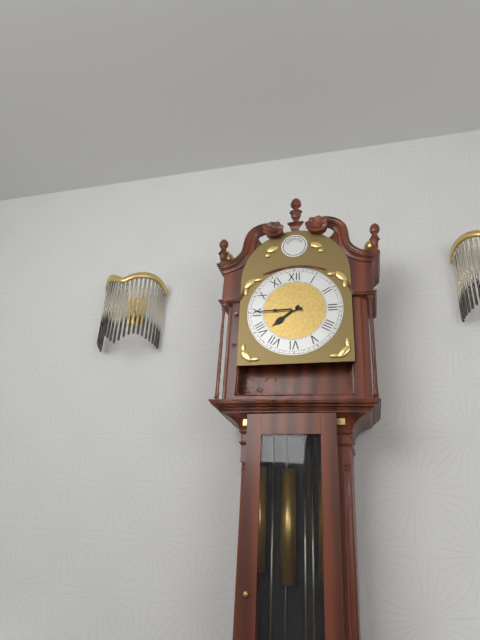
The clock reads **7:45**
